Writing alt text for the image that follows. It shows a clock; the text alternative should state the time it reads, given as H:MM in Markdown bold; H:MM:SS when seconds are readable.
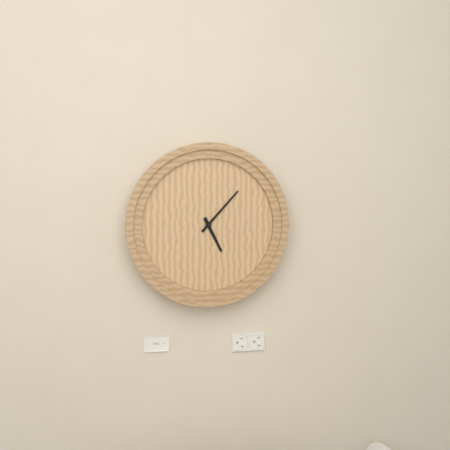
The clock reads **5:07**
